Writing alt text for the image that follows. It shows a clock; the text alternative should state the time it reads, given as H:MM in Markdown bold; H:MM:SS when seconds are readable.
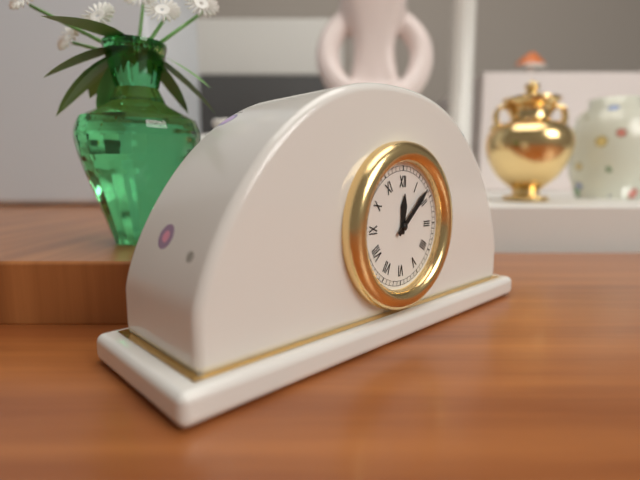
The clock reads **12:08**
